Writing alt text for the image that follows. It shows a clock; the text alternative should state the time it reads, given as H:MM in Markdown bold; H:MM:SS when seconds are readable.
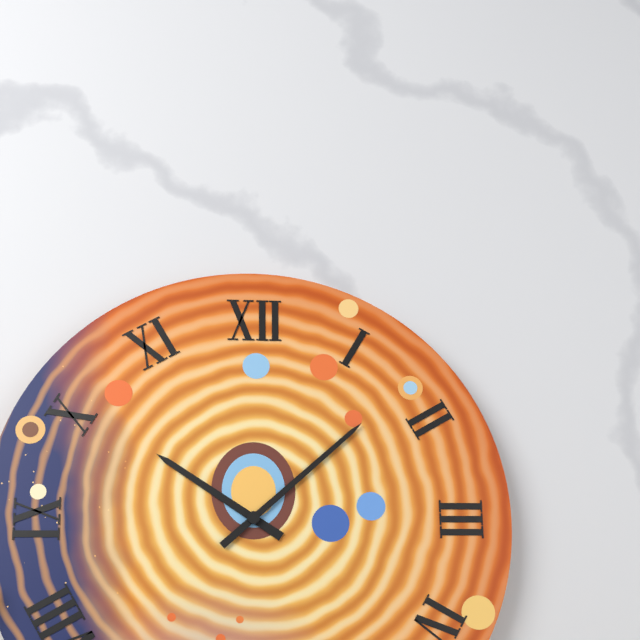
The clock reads **10:08**
